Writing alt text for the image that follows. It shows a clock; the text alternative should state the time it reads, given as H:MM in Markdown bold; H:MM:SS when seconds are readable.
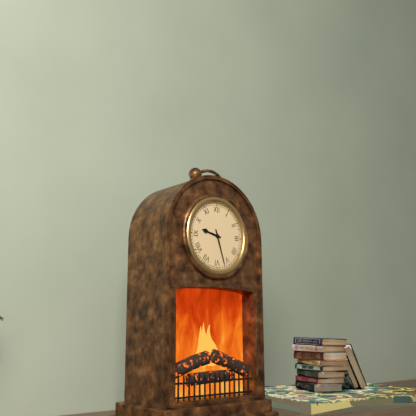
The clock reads **9:27**
